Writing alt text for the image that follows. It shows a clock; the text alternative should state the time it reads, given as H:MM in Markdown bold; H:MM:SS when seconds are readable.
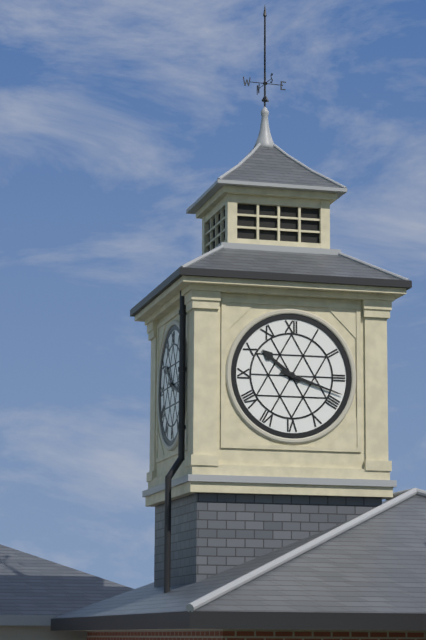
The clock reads **10:18**
